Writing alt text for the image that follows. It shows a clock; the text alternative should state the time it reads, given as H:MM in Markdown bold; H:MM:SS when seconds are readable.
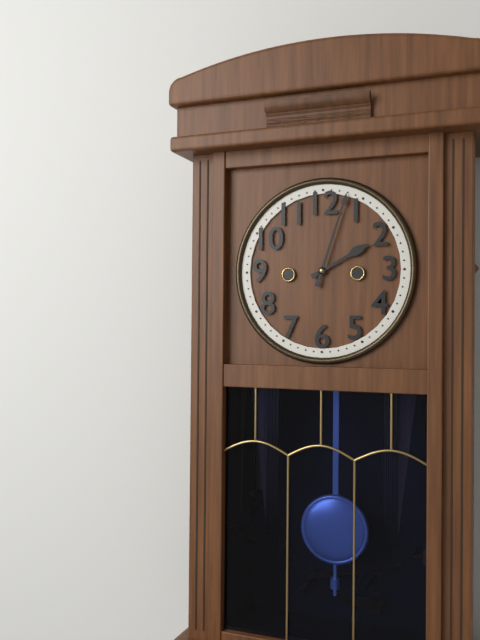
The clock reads **2:03**
